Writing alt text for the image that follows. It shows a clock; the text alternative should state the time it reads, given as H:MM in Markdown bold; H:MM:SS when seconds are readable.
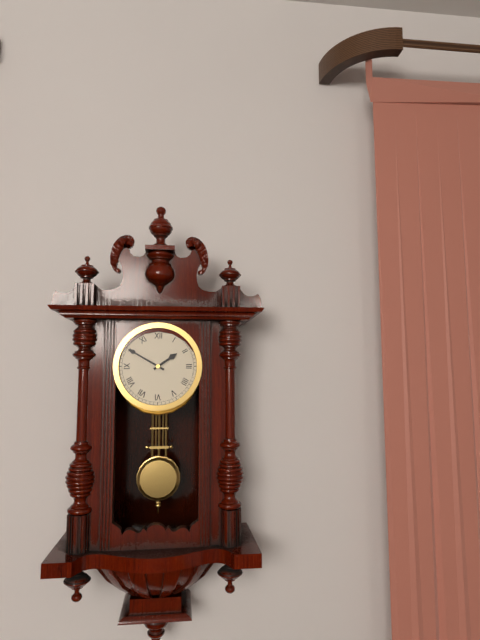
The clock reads **1:50**
